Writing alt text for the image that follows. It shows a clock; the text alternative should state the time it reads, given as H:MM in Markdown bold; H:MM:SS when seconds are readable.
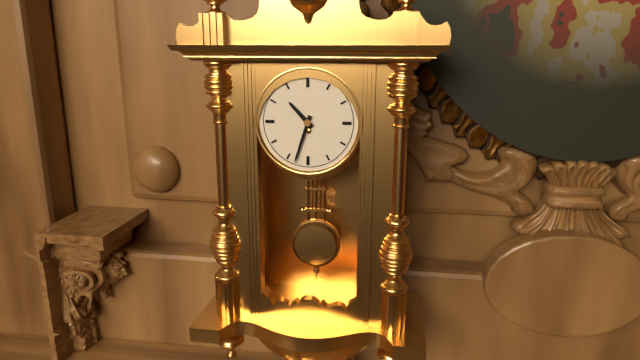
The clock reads **10:33**
